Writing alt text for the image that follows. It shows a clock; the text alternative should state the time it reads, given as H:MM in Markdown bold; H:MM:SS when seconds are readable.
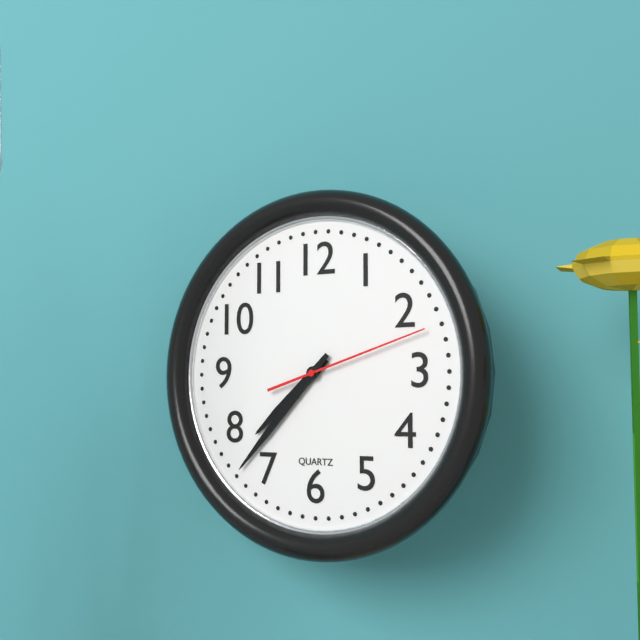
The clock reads **7:37:12**
